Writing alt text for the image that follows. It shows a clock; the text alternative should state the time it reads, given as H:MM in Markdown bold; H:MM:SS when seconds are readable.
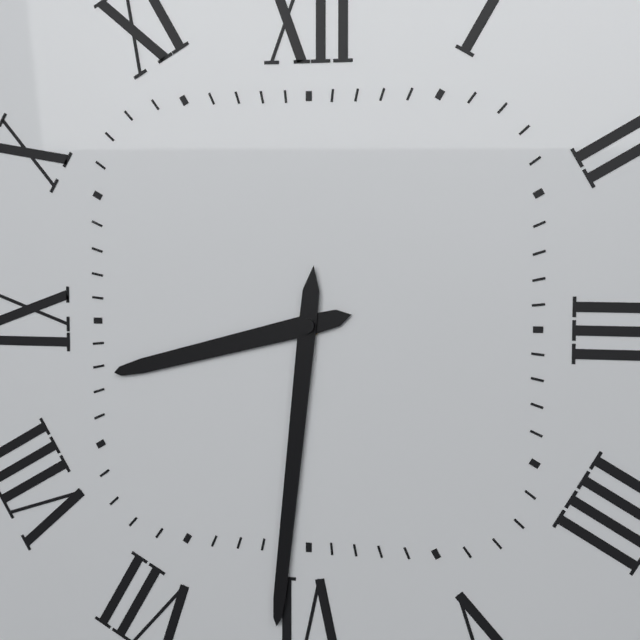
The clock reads **8:31**
